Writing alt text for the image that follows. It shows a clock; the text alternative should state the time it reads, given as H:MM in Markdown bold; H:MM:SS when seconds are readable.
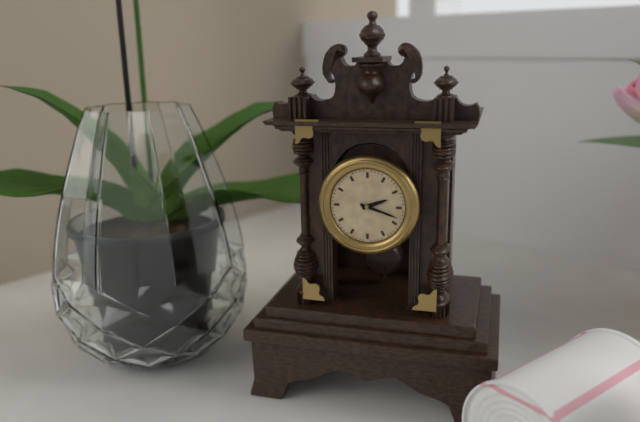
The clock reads **2:18**
